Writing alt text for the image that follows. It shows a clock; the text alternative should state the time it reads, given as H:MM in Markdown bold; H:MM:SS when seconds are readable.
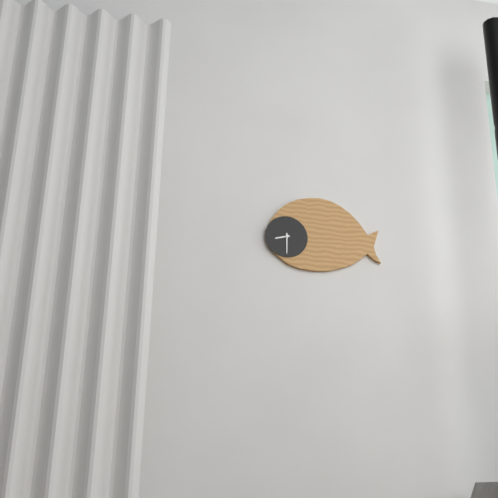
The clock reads **8:30**
